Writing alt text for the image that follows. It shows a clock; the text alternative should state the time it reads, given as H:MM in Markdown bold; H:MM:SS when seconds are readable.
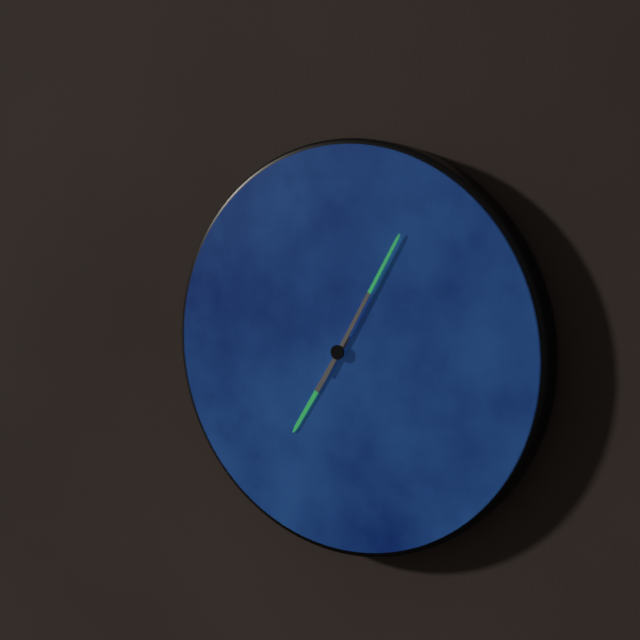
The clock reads **7:05**
